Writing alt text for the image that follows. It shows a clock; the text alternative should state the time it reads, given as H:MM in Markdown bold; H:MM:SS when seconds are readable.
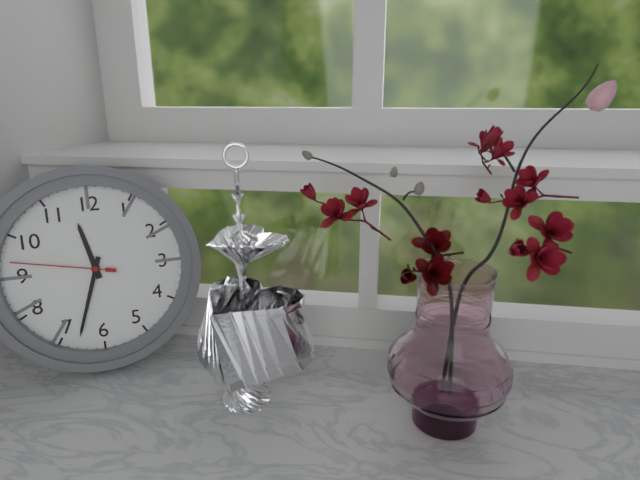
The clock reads **11:33:47**
